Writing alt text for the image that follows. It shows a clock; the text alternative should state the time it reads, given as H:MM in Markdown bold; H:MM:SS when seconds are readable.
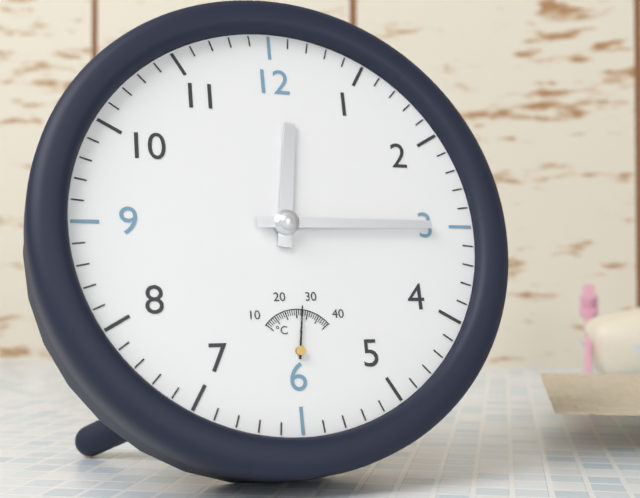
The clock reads **12:15**
